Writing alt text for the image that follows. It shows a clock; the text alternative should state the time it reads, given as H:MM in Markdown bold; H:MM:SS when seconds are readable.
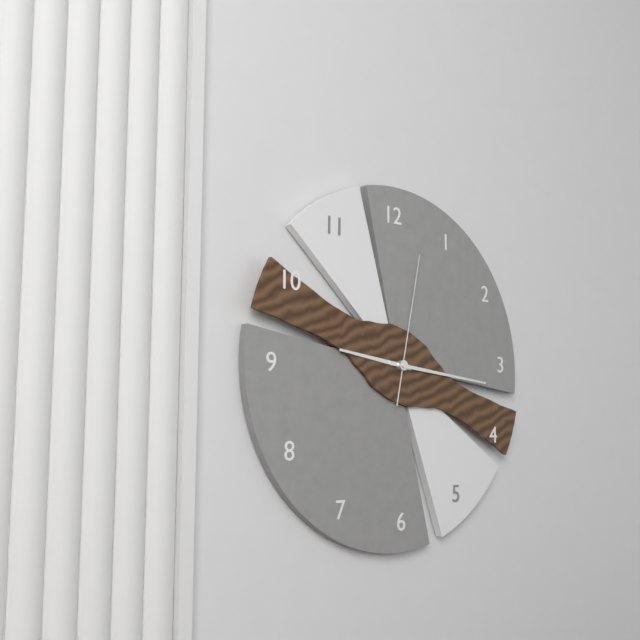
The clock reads **9:16:02**
